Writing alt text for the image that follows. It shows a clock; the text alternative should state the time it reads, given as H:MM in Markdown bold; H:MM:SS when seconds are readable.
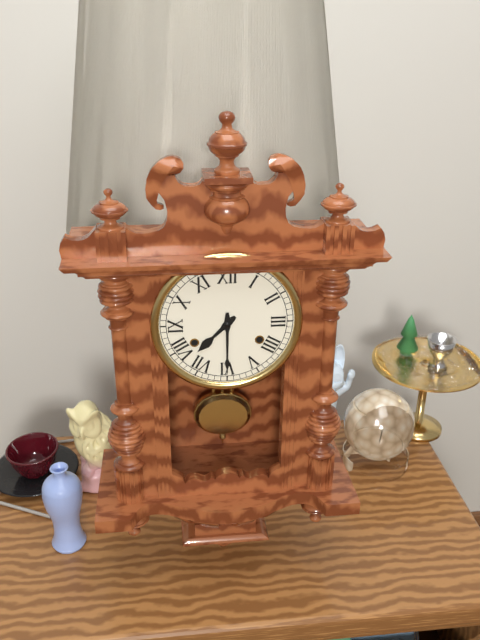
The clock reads **7:30**
